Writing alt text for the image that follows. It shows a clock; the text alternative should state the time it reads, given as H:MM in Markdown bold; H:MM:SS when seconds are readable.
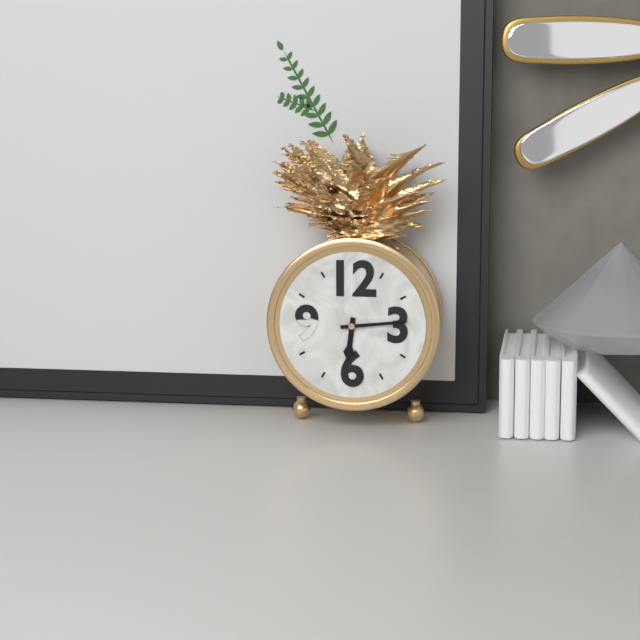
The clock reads **6:14**
